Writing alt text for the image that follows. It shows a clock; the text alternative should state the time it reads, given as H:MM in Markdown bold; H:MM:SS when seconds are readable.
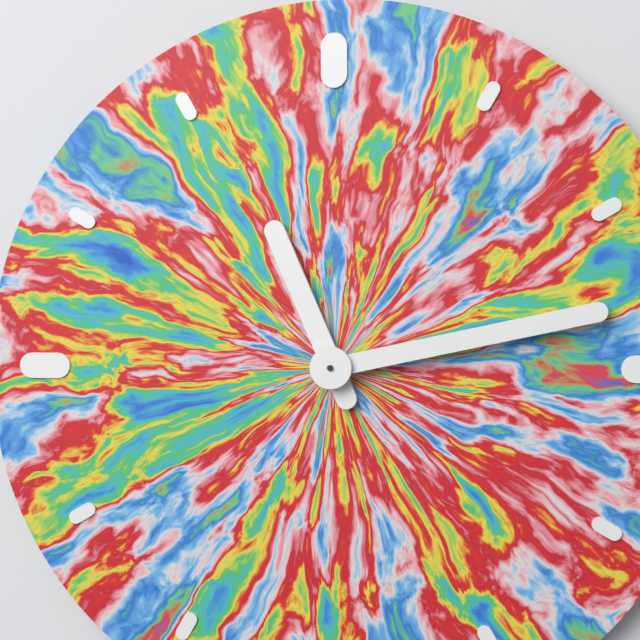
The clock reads **11:13**
